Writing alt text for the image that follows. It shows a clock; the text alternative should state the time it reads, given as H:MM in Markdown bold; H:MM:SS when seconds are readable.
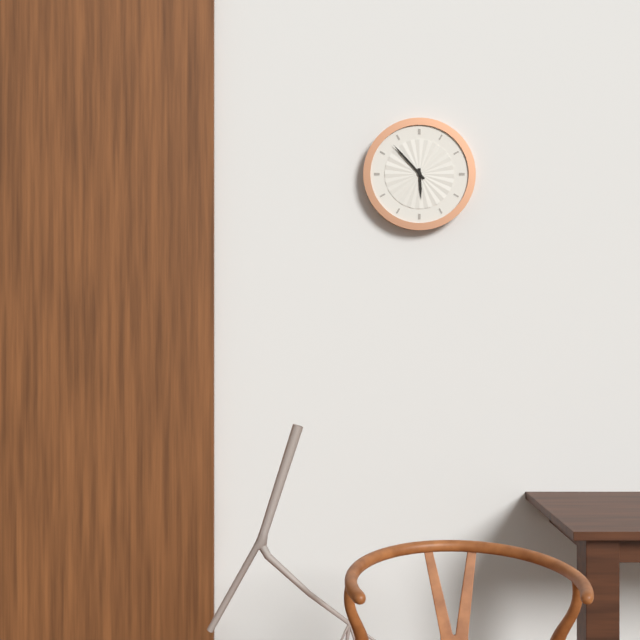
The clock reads **5:53**
